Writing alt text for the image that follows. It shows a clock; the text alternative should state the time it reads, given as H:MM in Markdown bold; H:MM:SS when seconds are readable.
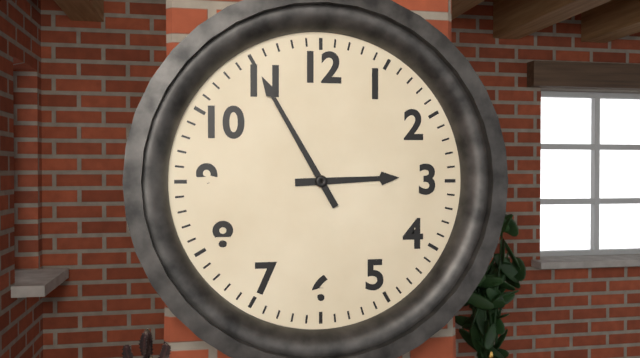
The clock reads **2:55**
